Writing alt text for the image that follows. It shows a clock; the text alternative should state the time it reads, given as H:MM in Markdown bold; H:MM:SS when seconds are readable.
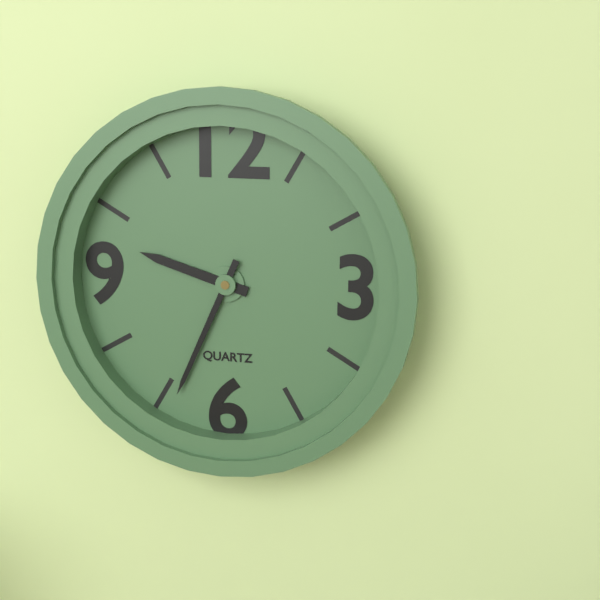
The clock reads **9:34**
